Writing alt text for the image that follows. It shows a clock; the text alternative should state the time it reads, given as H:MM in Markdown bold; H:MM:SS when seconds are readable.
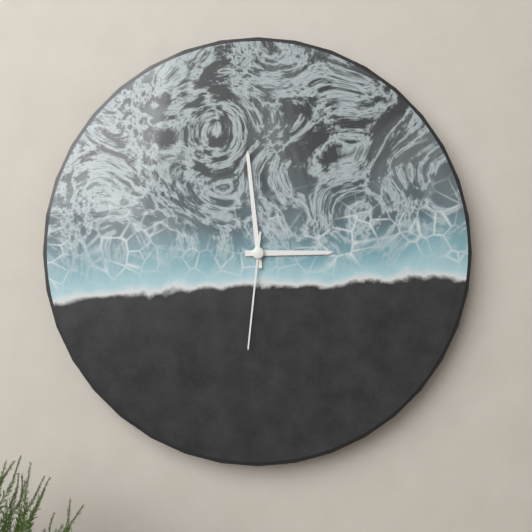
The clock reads **2:59:31**
